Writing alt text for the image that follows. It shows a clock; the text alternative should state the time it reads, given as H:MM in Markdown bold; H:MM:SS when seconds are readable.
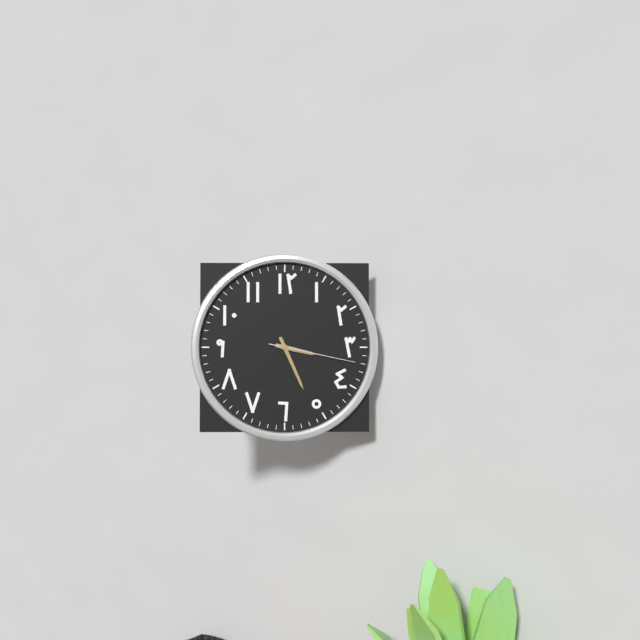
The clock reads **3:26:17**
